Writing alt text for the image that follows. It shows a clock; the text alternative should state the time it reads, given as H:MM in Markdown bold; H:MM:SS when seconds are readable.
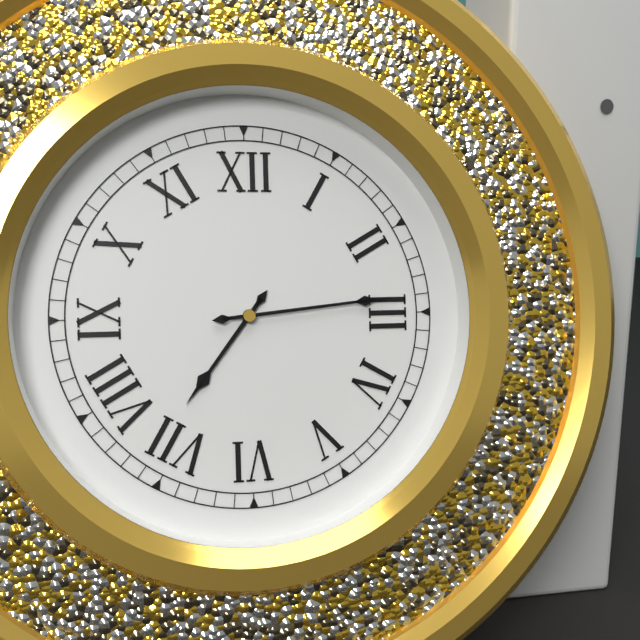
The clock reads **7:14**
